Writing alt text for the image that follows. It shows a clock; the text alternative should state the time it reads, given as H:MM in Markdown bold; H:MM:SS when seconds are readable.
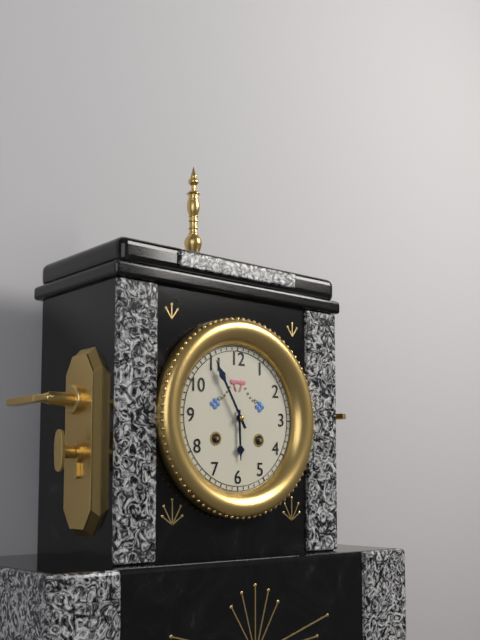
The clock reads **5:55**
